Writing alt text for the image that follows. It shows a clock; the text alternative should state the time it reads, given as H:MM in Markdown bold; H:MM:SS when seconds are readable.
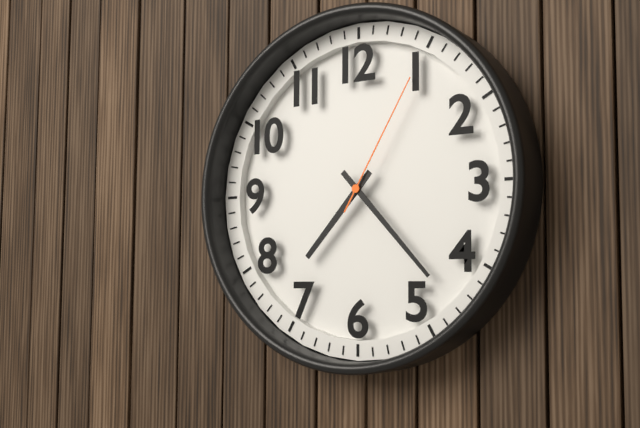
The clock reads **7:23:05**
